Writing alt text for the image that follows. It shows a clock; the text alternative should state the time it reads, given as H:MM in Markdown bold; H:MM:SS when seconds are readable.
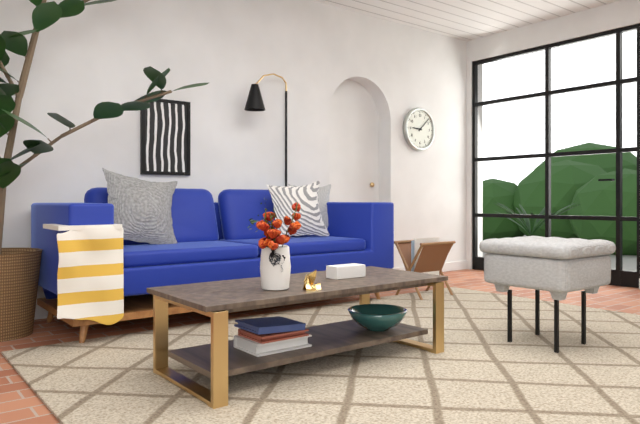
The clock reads **9:08**
